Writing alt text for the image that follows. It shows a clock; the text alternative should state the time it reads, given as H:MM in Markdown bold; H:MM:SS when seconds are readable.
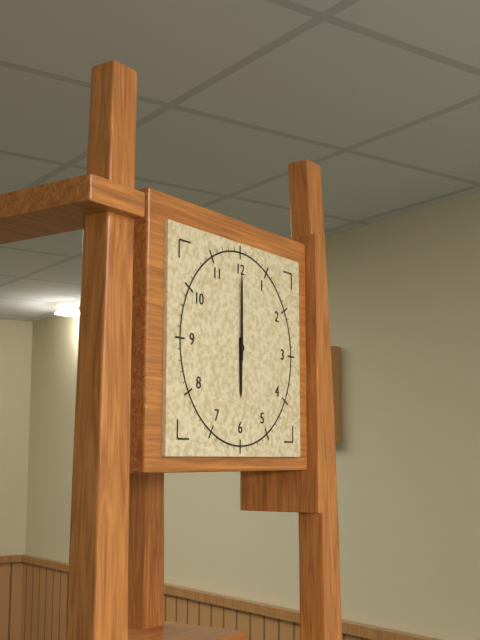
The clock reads **6:00**
